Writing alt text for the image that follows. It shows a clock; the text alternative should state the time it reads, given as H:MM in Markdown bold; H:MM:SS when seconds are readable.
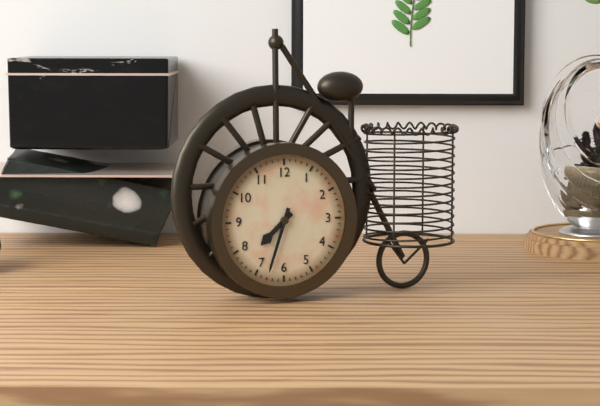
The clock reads **7:33**
